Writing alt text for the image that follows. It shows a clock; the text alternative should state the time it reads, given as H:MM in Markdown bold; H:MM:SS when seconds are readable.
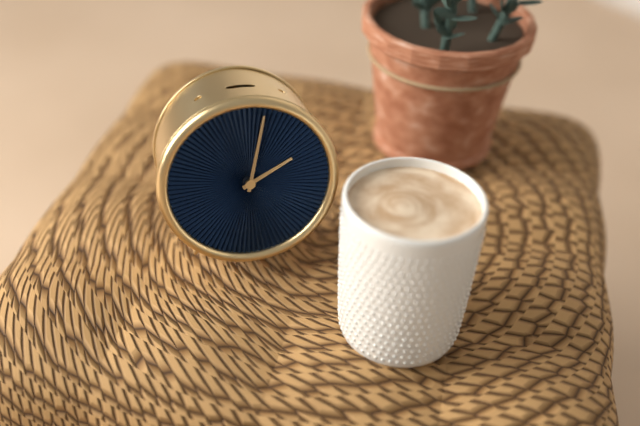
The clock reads **2:02**
